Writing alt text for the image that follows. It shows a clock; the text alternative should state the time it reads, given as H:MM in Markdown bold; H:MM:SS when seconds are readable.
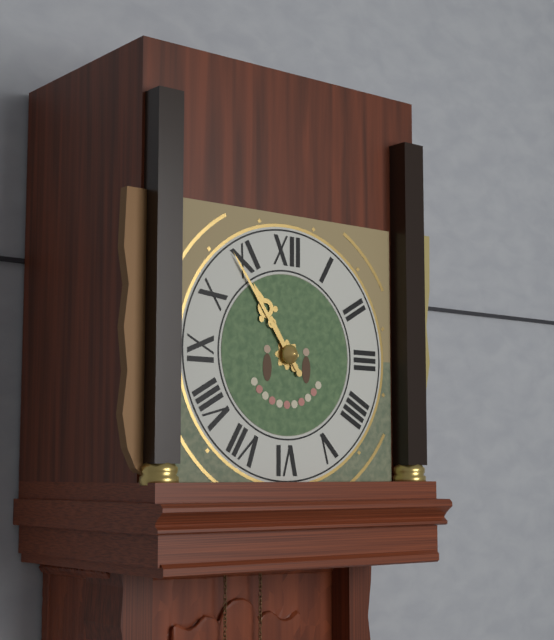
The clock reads **10:54**
